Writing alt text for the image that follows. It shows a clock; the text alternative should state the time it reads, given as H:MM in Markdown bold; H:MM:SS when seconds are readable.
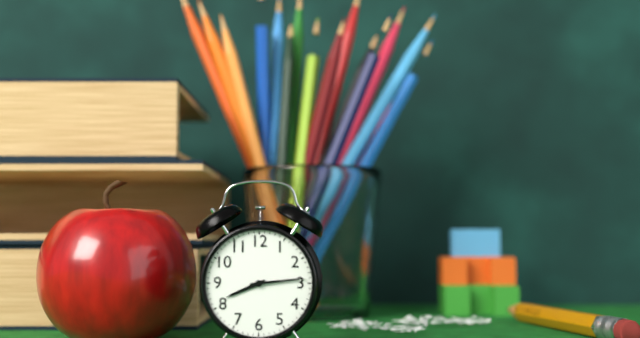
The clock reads **8:14**
